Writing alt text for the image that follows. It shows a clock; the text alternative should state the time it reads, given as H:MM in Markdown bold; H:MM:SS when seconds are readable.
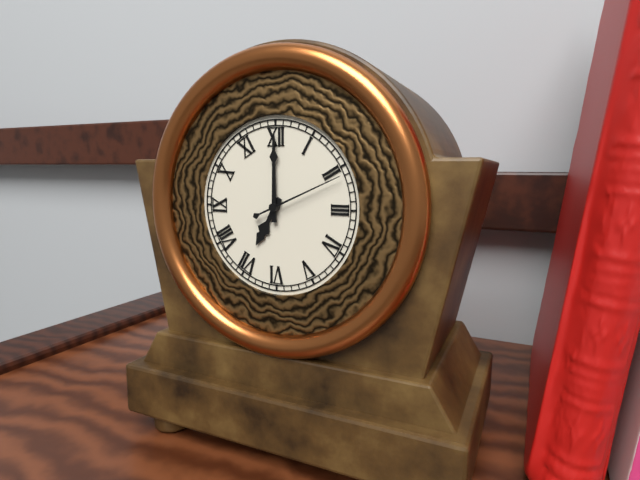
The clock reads **7:00:11**
